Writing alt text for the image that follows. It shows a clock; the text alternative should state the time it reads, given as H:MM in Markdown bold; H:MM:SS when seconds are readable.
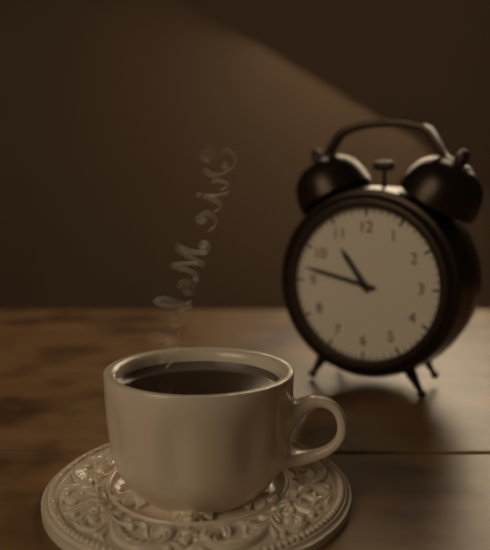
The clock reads **10:47**
